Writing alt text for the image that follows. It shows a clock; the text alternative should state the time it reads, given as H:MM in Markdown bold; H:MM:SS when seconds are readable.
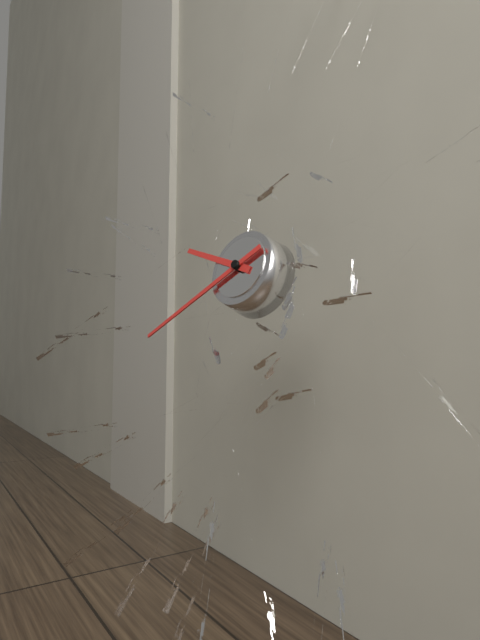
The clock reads **9:40**
